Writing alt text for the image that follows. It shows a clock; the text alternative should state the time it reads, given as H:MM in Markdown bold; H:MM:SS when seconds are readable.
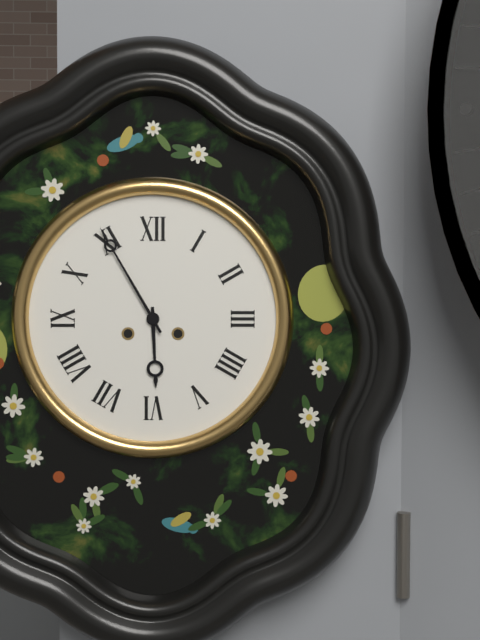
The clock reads **5:55**
